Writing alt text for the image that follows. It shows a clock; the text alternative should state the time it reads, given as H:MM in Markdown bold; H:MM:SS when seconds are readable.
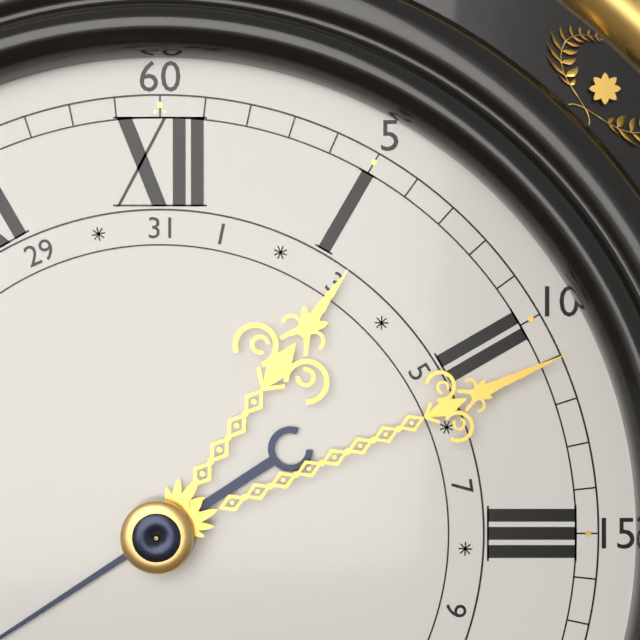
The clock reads **1:11**
